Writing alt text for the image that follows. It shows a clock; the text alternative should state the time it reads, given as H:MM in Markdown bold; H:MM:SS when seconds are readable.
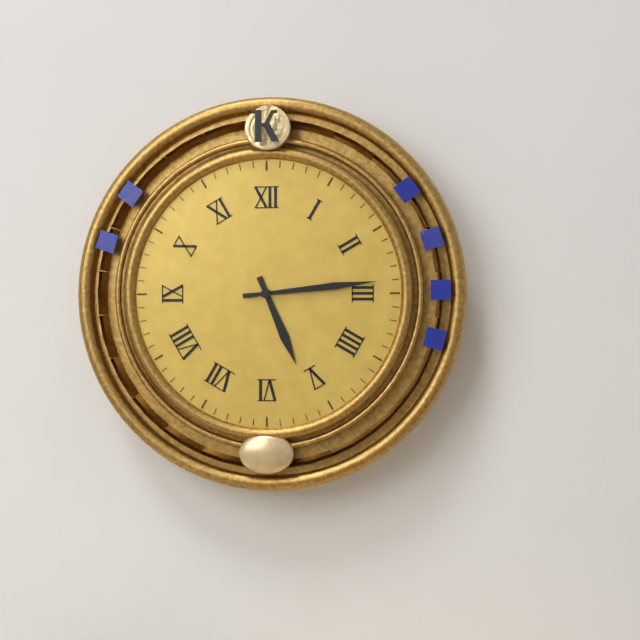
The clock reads **5:14**
